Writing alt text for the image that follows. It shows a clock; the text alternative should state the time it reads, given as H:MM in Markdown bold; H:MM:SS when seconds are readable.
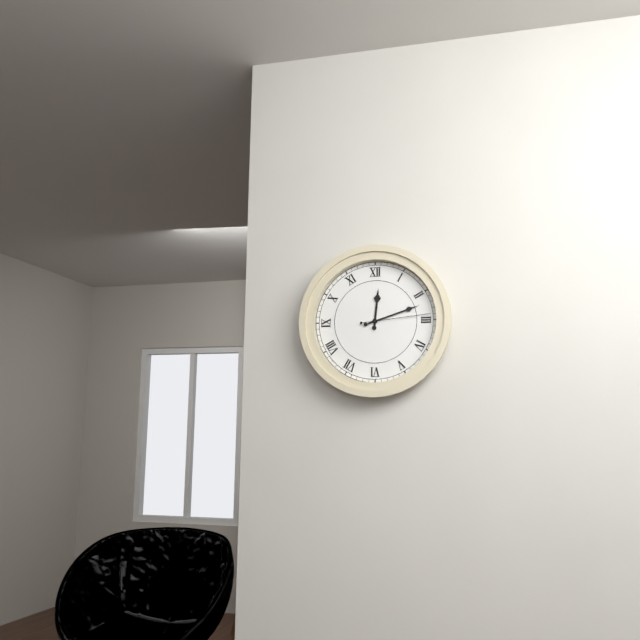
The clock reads **12:12:14**
